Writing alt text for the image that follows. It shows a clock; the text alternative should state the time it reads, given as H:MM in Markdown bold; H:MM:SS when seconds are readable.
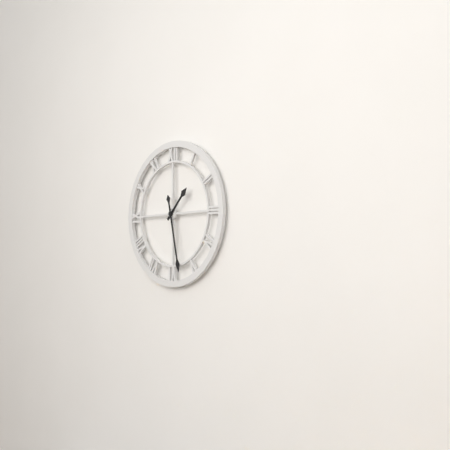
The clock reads **1:28**
